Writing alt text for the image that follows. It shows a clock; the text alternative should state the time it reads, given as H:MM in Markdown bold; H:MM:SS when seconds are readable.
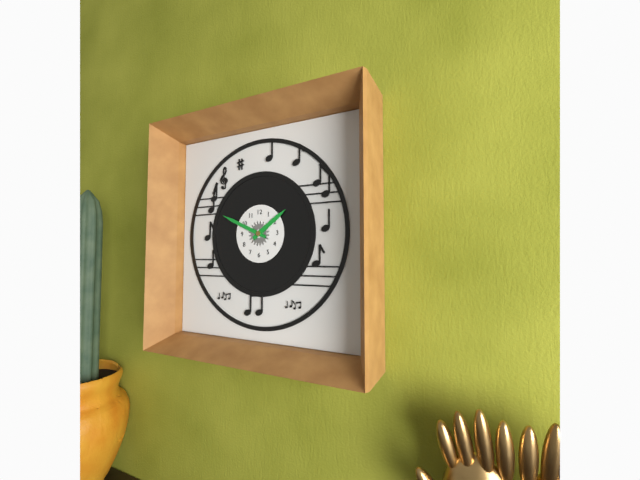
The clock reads **1:49**
